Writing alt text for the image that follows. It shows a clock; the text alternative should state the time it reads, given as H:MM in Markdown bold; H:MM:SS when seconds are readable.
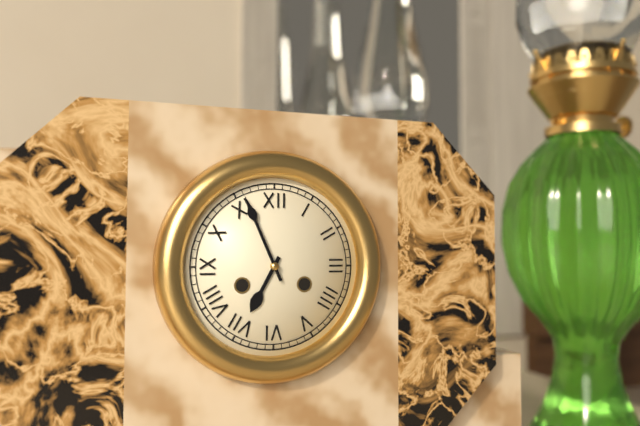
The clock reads **6:56**
